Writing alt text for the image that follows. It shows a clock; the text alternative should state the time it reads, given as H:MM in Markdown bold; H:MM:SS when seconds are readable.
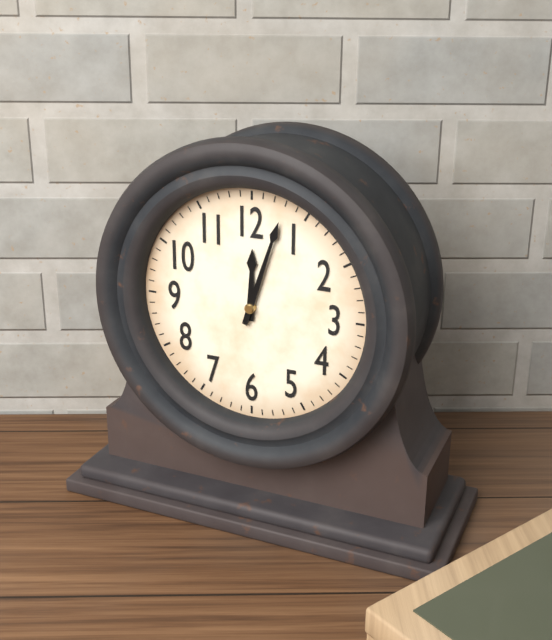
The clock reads **12:03**
